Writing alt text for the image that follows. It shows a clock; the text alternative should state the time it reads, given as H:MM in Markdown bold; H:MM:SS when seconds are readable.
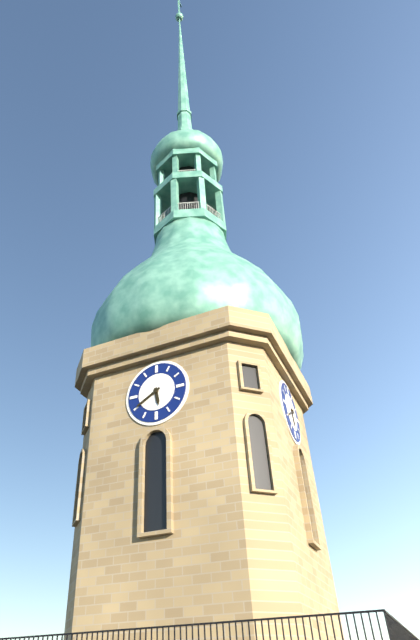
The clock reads **5:40**
